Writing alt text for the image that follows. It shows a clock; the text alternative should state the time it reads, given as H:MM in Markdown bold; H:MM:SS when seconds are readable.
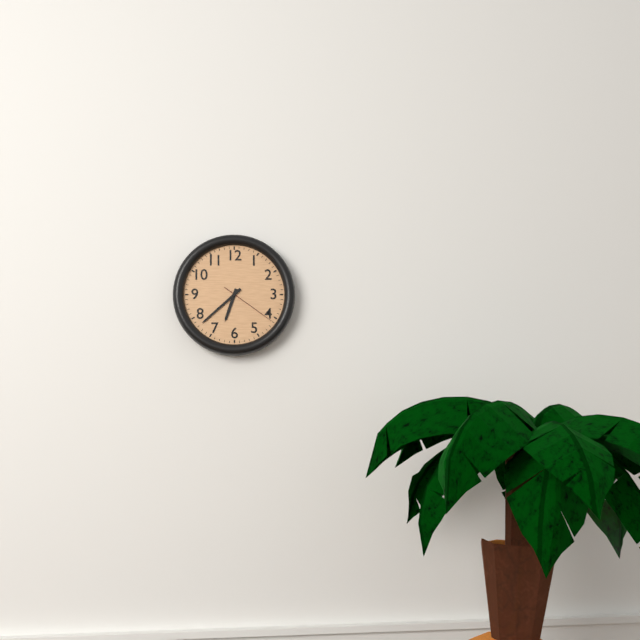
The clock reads **6:38:21**
